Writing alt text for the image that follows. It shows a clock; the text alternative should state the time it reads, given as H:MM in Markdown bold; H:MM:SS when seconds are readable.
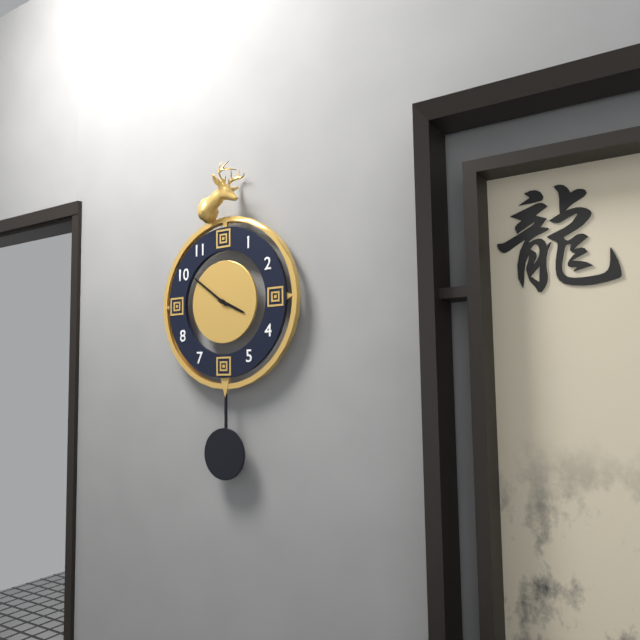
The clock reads **3:51**
